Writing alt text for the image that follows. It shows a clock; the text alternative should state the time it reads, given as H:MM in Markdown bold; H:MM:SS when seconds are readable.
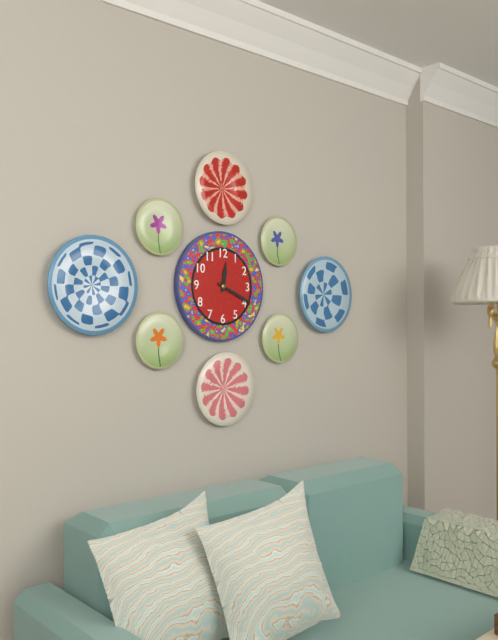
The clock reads **12:19**
